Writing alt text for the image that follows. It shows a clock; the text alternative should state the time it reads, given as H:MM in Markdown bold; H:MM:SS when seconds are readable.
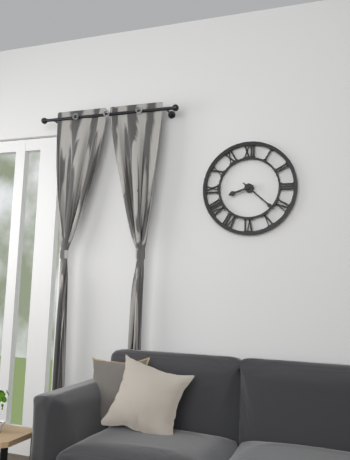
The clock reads **8:22**
